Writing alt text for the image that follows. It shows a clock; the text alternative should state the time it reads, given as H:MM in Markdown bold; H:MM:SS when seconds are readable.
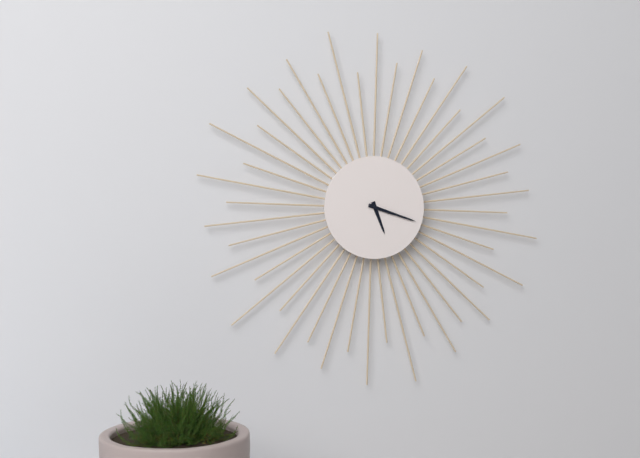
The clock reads **5:18**
